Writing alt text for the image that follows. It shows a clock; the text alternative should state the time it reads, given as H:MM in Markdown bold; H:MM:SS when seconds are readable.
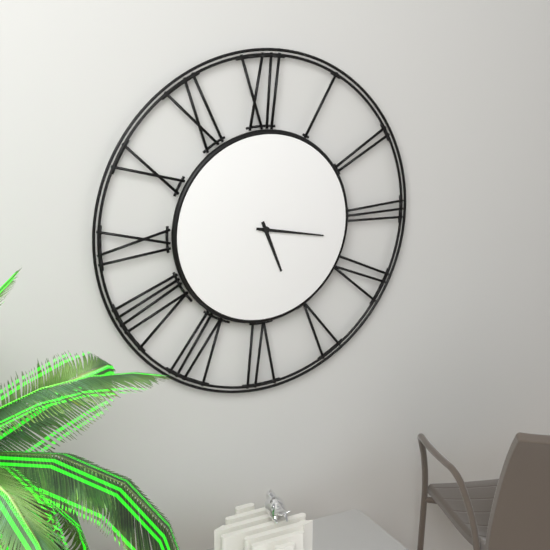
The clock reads **5:17**
